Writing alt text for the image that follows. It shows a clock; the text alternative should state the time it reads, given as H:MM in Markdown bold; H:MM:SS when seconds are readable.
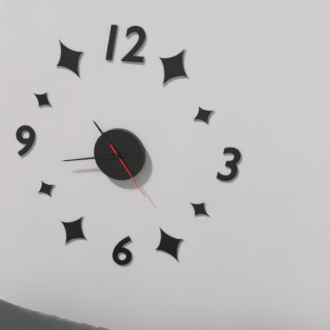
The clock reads **10:43:24**
